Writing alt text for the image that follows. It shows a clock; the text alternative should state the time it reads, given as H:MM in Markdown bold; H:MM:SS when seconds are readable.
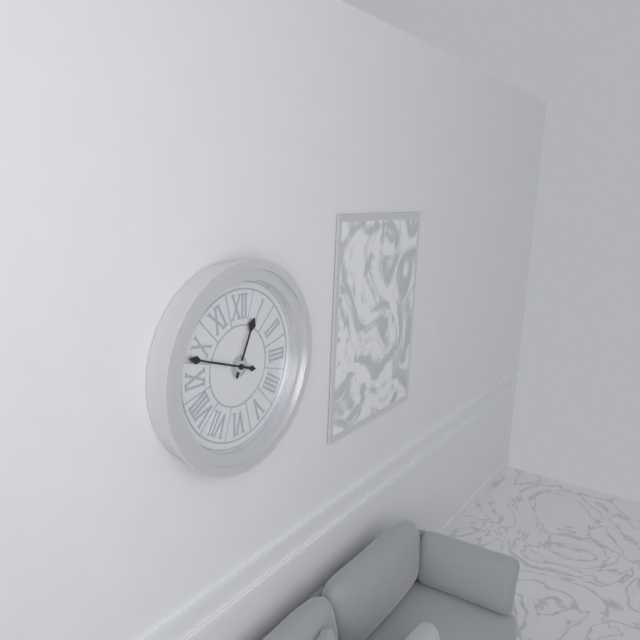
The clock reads **12:48**
